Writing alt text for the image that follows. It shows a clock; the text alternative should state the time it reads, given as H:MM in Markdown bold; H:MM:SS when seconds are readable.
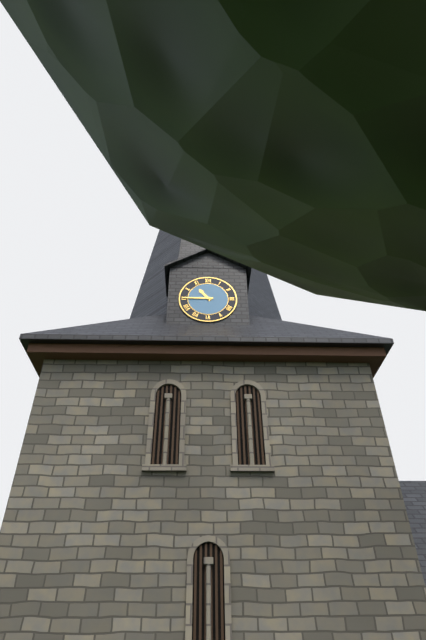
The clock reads **10:45**
